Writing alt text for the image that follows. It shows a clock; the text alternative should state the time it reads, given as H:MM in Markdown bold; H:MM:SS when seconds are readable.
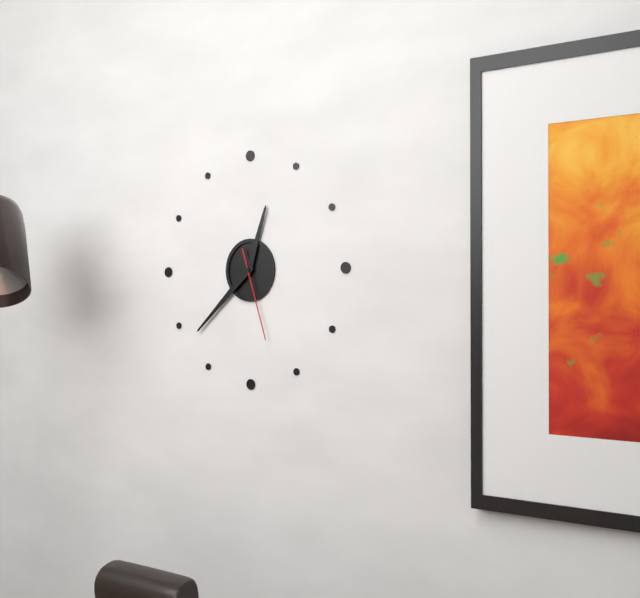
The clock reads **12:38:27**
